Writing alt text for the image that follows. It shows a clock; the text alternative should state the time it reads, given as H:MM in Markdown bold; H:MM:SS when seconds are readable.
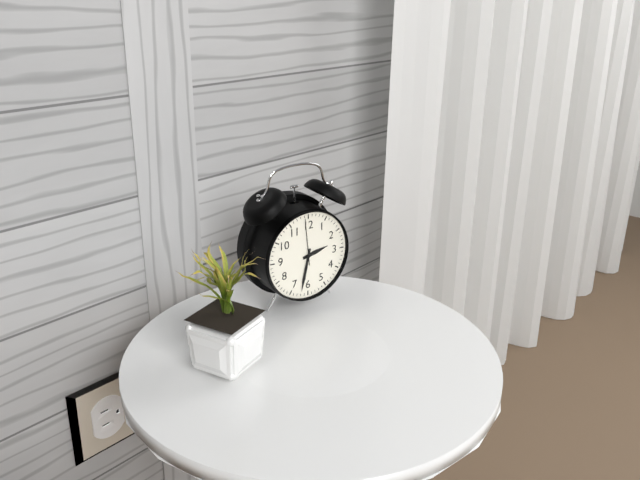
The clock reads **2:32**
